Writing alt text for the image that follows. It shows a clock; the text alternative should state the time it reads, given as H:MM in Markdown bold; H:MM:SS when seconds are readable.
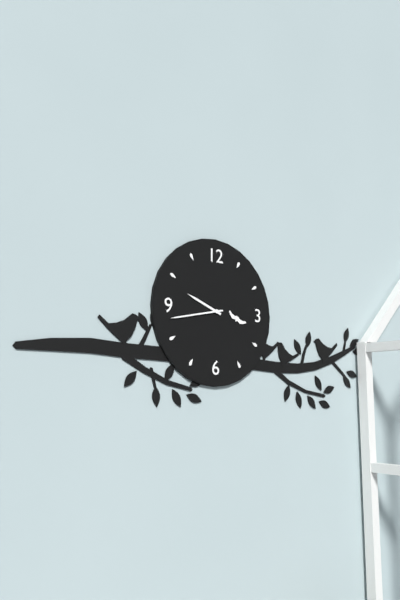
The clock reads **9:43**
